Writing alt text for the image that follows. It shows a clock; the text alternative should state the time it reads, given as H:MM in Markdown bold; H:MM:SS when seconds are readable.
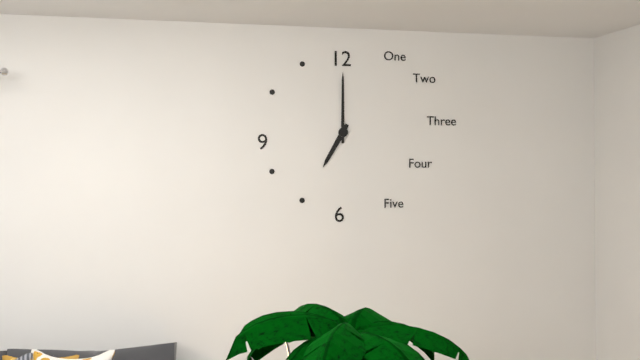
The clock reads **7:00**
